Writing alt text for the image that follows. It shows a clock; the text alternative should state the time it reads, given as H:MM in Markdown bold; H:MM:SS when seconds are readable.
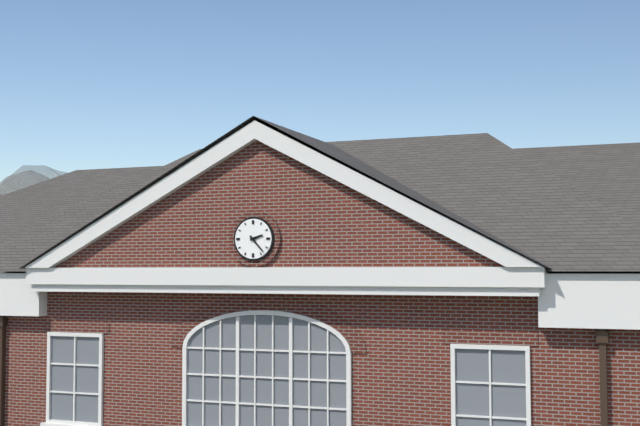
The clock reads **2:23**
